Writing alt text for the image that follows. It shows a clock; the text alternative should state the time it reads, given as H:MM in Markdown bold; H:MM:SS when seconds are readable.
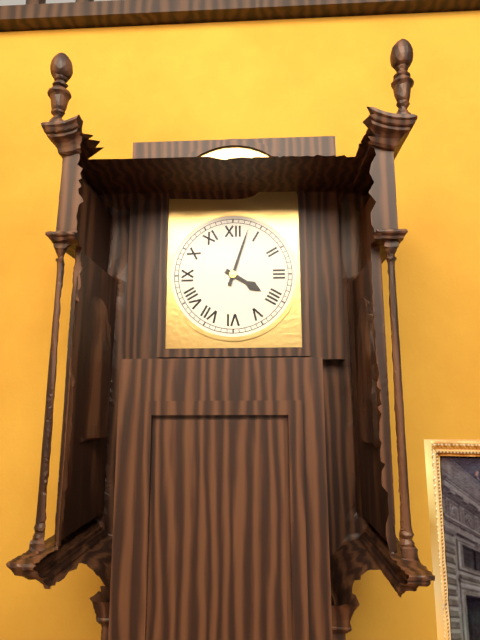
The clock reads **4:03**
